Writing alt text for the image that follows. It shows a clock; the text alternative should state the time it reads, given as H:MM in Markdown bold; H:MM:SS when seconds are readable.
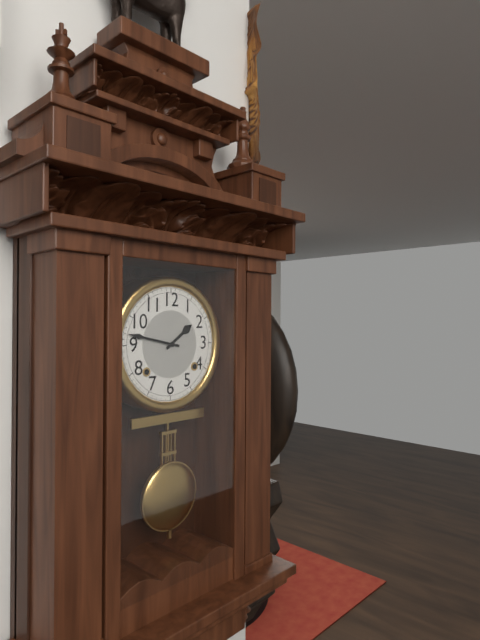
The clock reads **1:47**
